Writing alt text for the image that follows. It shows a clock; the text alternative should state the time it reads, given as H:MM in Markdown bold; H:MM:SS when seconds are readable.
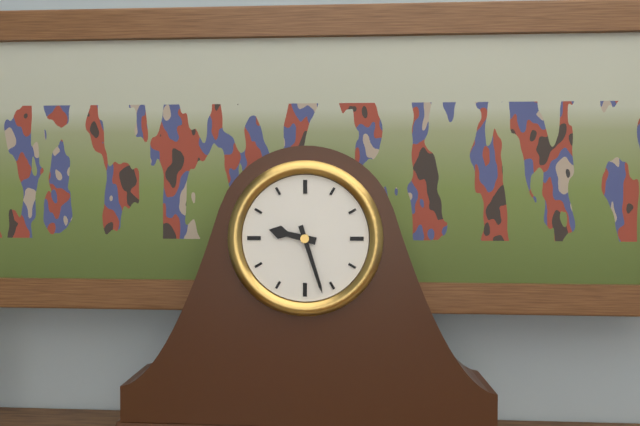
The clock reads **9:27**
